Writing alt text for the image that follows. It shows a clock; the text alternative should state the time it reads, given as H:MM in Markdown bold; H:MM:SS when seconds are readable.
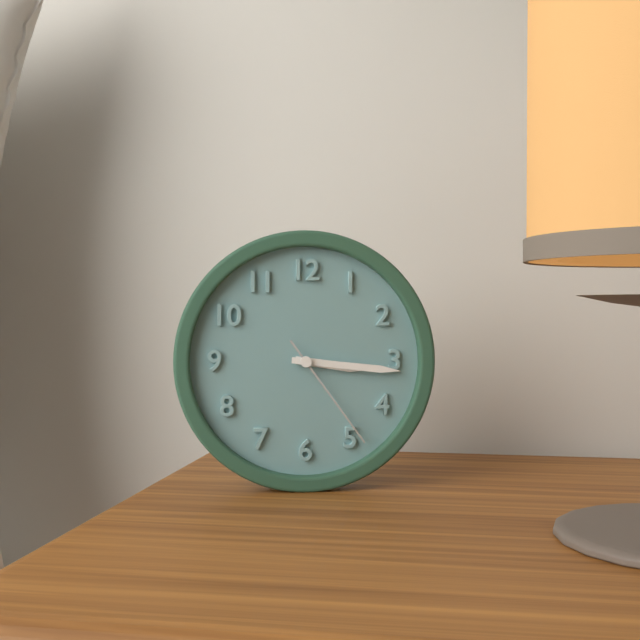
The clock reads **3:16:24**
